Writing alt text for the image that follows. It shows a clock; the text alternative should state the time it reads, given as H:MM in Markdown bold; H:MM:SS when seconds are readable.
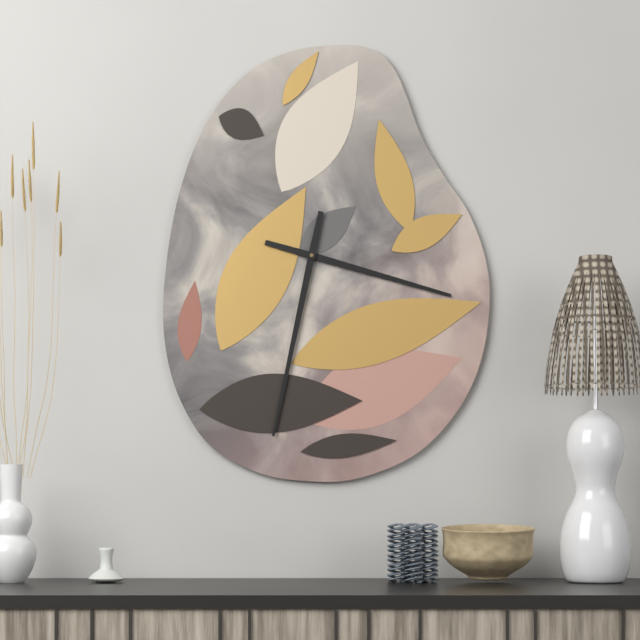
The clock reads **3:32**
